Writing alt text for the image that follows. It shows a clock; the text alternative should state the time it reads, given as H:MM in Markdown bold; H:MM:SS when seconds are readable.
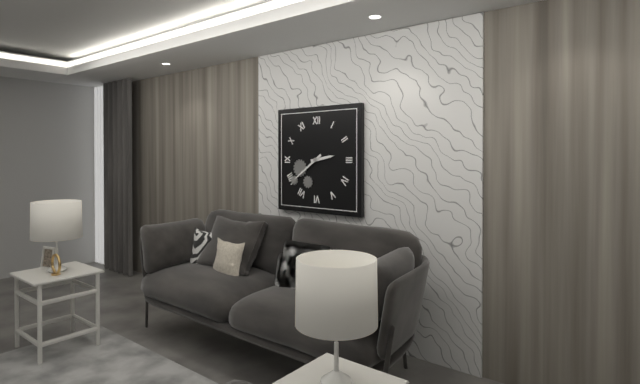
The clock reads **2:39**
